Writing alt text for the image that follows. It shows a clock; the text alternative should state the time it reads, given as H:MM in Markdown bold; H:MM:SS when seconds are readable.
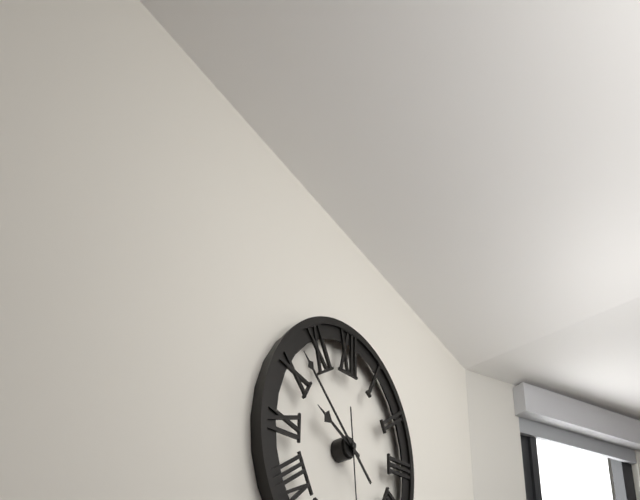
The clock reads **9:52**
